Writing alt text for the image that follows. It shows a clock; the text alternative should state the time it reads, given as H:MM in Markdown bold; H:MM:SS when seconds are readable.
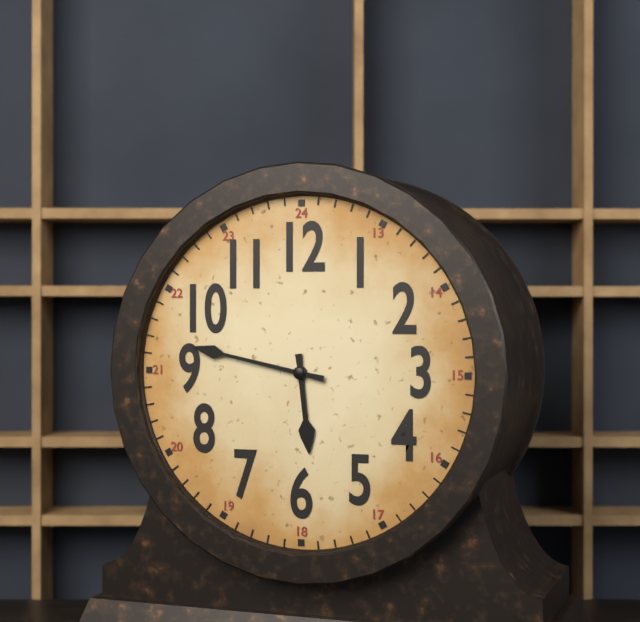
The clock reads **5:47**
